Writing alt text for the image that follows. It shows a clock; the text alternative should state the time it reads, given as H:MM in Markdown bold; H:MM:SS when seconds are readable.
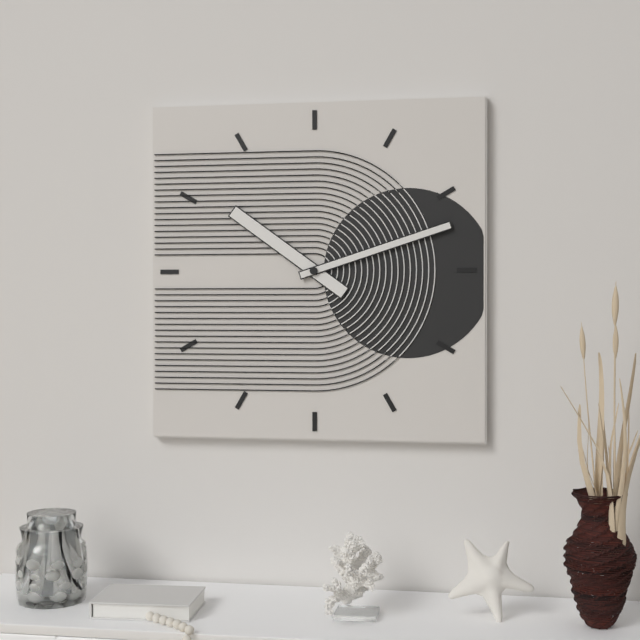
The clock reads **10:12**
